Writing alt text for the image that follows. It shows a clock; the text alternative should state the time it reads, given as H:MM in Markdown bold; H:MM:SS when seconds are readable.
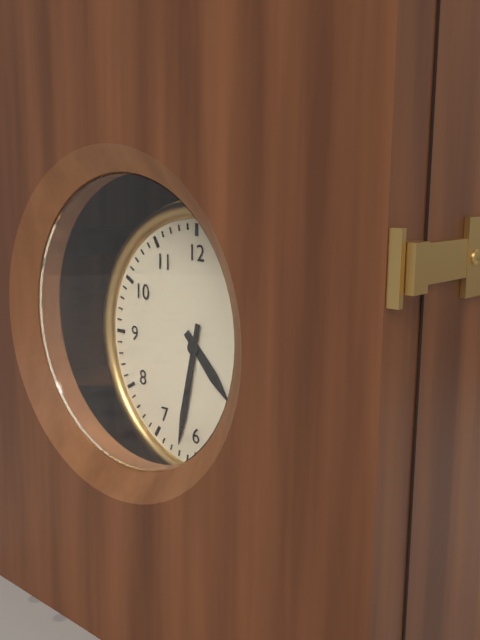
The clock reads **4:32**
